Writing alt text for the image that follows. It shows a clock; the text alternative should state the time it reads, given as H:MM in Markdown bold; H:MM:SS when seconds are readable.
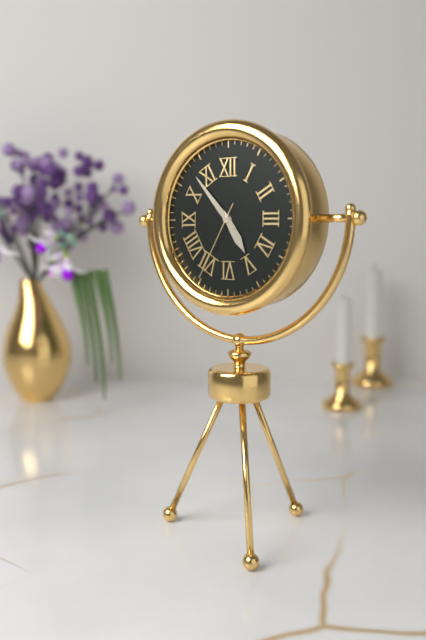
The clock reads **4:53:35**
